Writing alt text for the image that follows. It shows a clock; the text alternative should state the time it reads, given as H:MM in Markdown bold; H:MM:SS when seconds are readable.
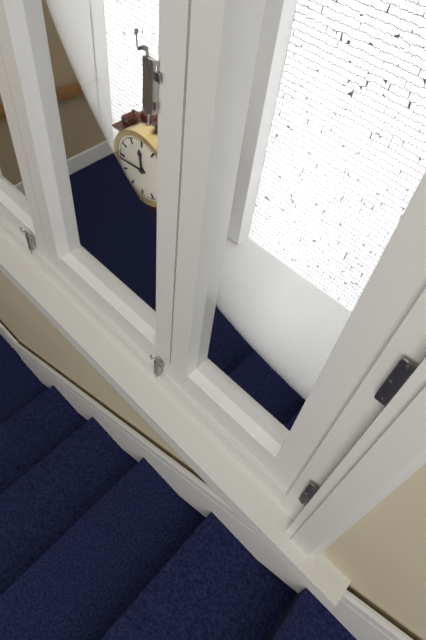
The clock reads **11:44**
